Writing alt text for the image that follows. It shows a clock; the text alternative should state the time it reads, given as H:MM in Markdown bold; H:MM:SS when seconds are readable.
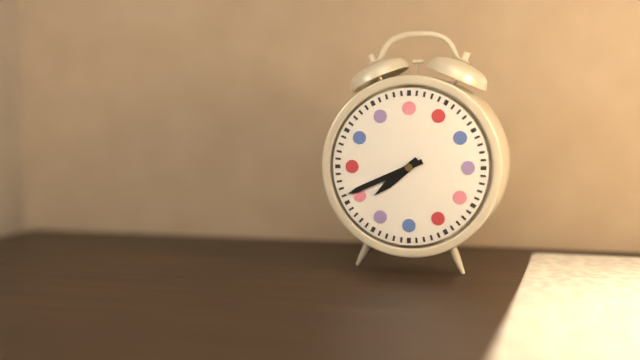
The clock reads **7:41**
